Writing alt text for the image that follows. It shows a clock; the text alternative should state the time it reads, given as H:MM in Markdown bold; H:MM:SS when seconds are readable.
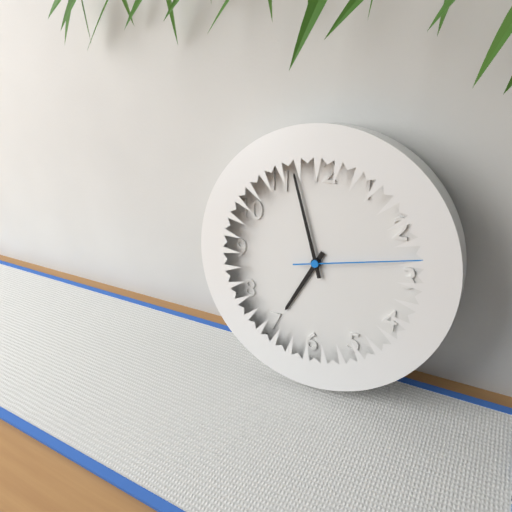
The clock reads **6:57:13**
